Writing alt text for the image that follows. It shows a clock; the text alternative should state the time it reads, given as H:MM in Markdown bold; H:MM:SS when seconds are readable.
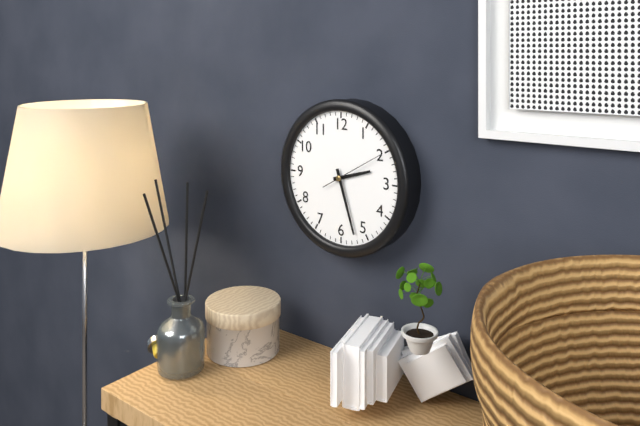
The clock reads **2:27:10**
